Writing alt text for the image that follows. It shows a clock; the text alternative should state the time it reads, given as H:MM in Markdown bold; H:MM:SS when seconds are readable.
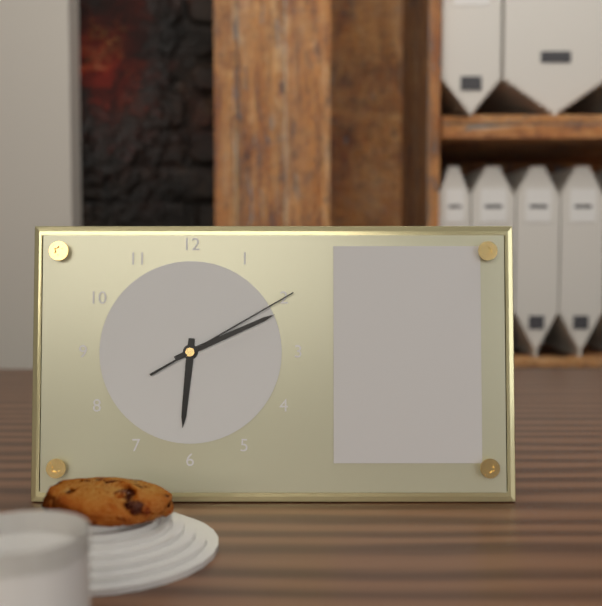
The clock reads **6:11:10**
